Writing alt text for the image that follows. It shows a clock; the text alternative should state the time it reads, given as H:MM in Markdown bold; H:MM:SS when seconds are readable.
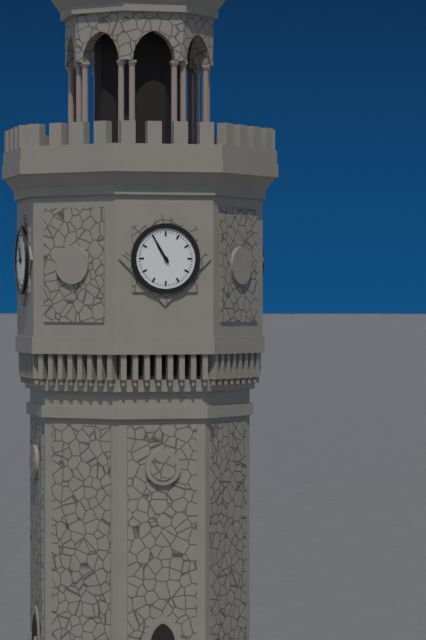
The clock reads **10:55**
